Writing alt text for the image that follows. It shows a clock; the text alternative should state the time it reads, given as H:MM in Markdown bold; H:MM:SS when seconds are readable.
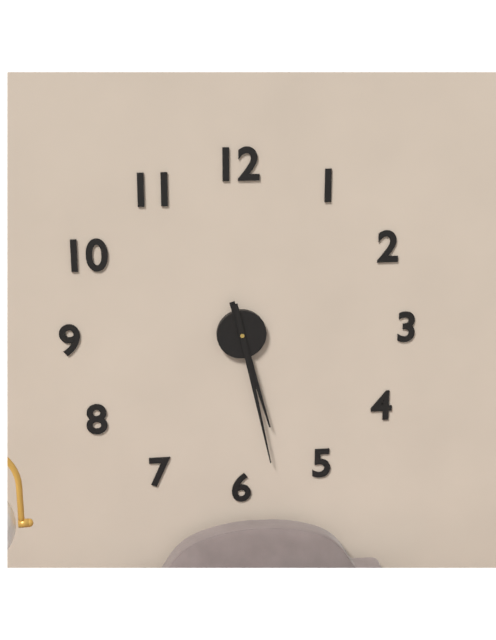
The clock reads **5:28**
